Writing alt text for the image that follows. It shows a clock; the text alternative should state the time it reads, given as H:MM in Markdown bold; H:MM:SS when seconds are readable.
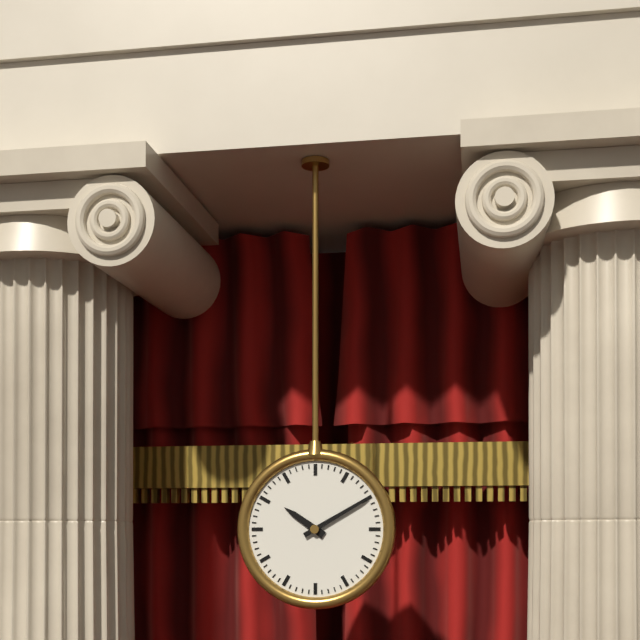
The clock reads **10:10**
